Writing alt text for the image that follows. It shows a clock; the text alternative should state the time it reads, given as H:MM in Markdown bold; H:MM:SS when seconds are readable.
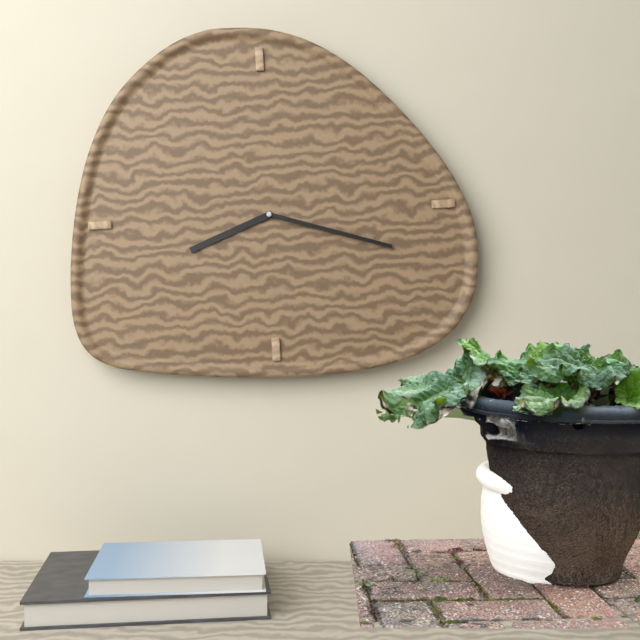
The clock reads **8:18**
